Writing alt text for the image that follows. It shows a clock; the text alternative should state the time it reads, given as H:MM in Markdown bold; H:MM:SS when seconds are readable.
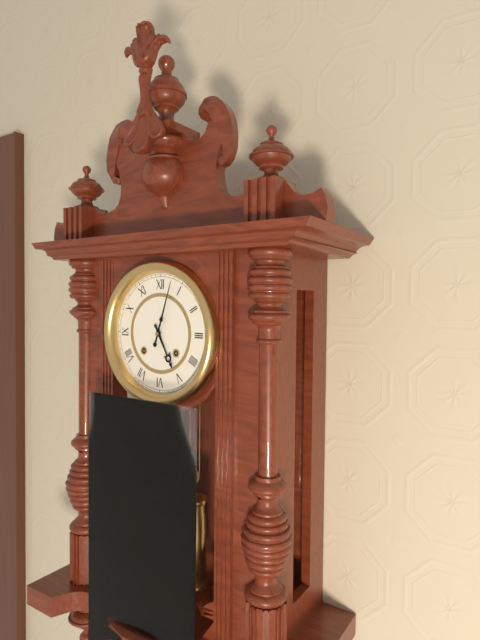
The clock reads **5:03**
